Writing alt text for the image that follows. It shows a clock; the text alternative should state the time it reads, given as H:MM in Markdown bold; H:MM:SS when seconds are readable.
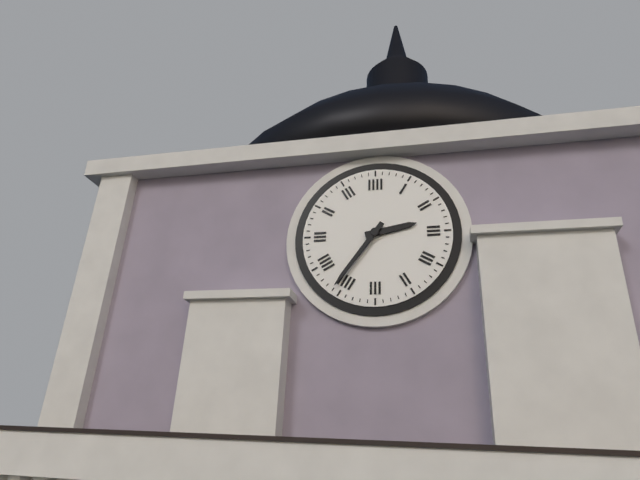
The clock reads **2:36**
